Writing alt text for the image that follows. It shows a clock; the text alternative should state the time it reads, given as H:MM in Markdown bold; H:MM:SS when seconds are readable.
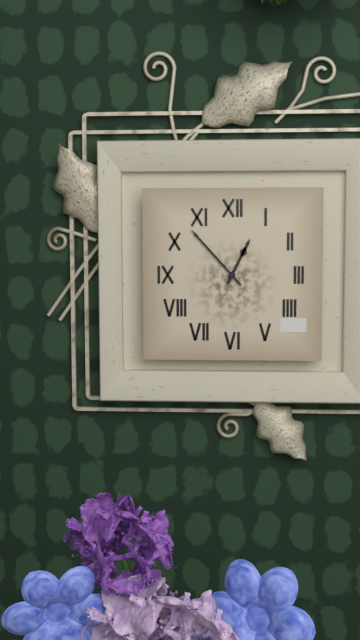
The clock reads **12:53**
